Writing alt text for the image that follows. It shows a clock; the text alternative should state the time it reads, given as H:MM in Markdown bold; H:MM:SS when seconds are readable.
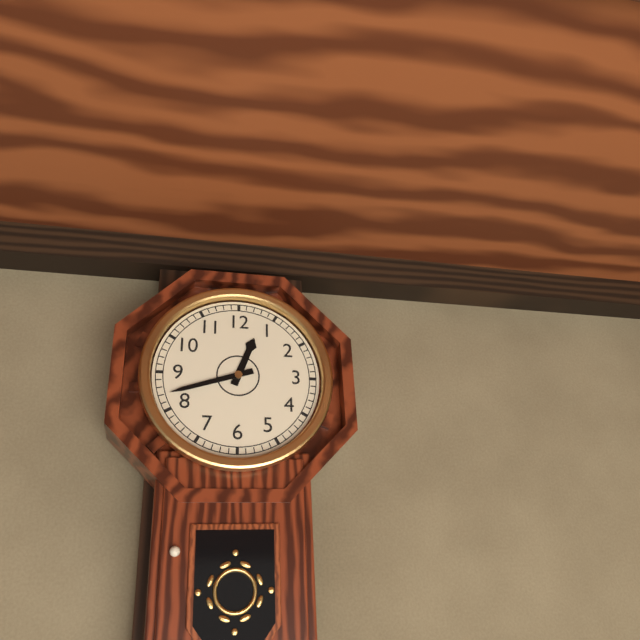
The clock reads **12:42**
